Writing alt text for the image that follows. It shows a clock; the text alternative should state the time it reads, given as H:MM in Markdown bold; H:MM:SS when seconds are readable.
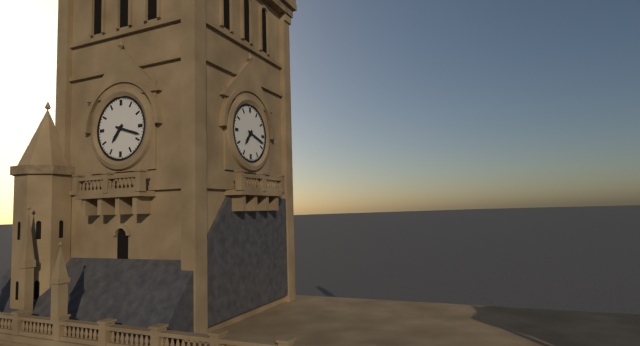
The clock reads **7:18**
